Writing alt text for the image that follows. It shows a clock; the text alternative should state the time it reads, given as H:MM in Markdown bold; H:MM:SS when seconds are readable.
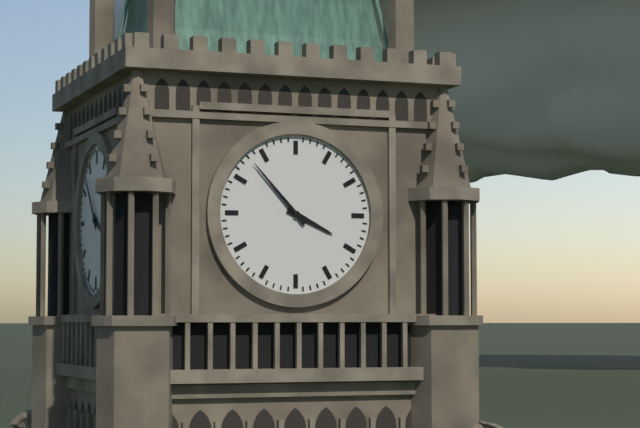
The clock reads **3:53**
